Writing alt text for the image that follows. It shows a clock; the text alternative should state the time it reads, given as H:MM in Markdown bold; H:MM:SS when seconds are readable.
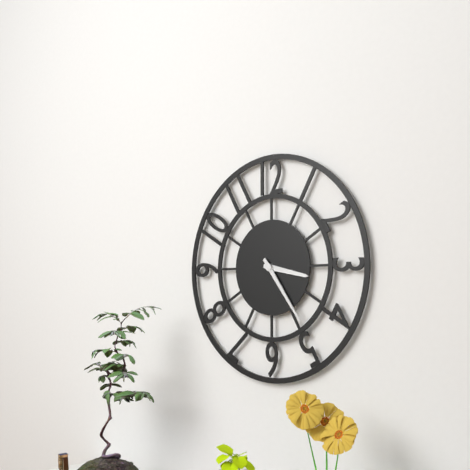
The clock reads **3:24**
